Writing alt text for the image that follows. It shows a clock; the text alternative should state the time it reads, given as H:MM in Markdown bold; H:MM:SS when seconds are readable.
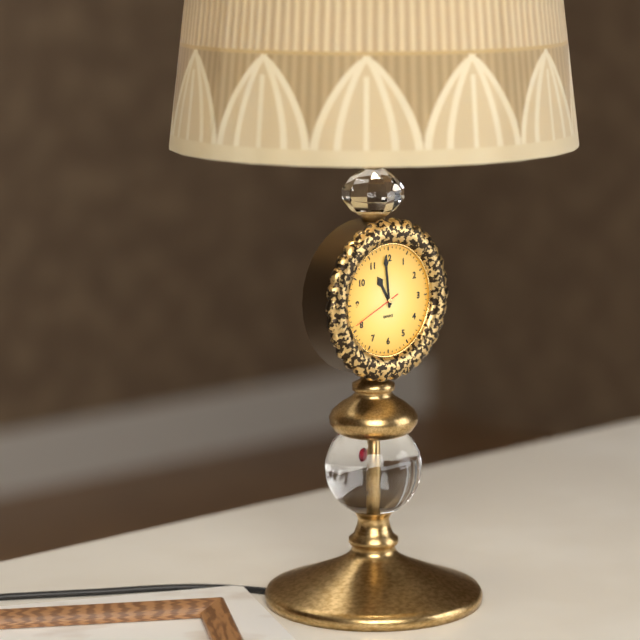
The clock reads **10:59:41**
